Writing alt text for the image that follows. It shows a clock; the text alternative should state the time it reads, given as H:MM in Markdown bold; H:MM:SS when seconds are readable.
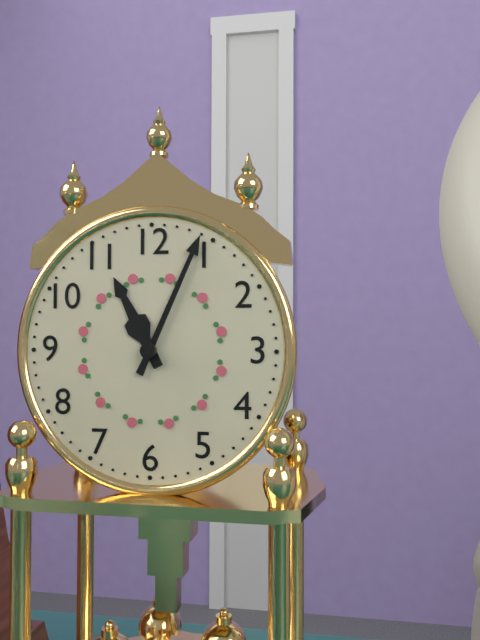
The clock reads **11:04**
